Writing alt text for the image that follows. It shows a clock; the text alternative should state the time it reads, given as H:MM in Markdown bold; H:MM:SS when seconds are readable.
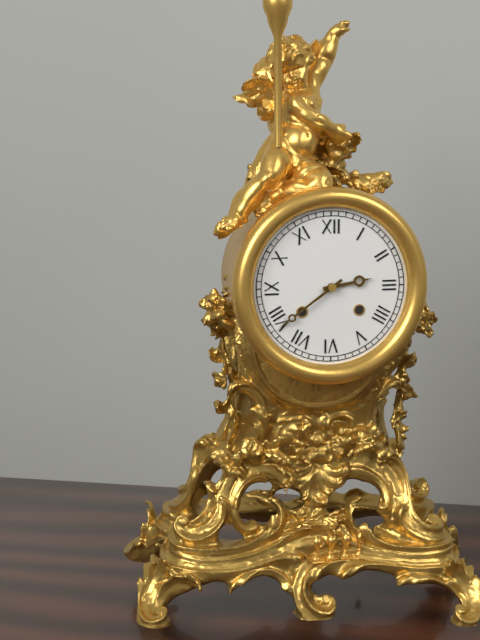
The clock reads **2:39**
